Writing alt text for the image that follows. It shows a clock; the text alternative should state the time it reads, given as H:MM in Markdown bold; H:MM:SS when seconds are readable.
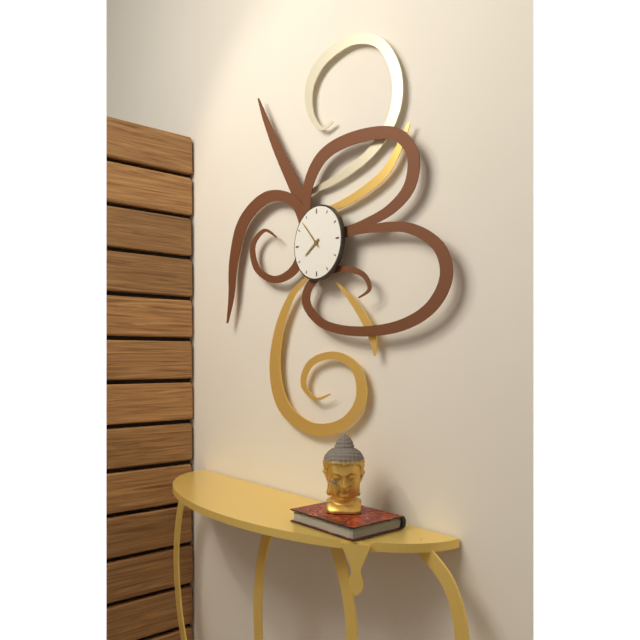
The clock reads **7:53**
